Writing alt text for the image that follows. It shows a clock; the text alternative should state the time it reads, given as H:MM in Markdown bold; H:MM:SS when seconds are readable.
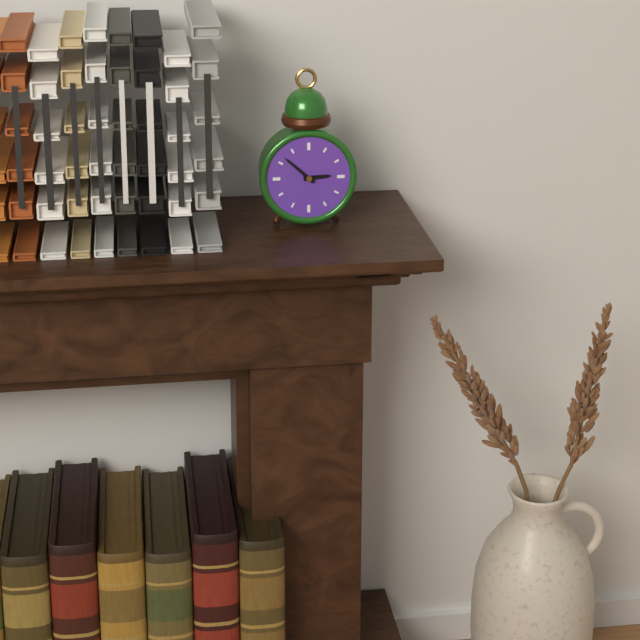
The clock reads **2:52**
